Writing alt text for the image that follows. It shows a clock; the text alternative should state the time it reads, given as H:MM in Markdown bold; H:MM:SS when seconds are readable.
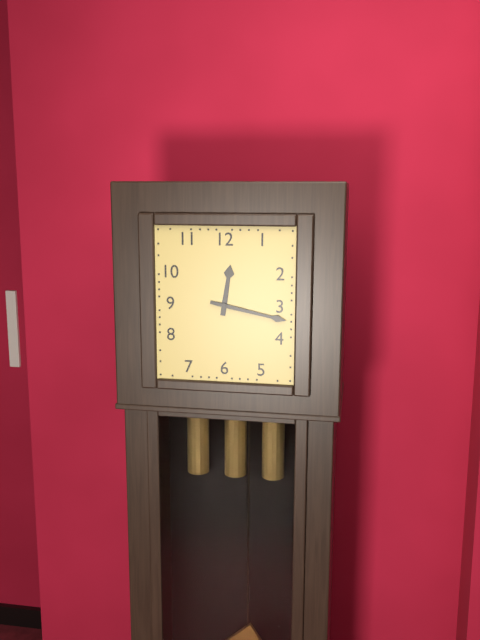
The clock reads **12:17**
